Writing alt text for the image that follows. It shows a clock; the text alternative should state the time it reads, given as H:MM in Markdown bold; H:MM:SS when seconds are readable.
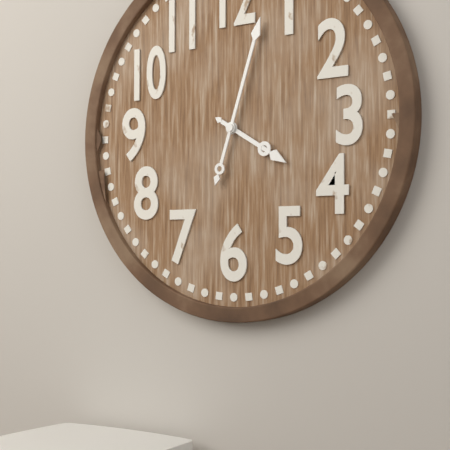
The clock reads **4:03**
